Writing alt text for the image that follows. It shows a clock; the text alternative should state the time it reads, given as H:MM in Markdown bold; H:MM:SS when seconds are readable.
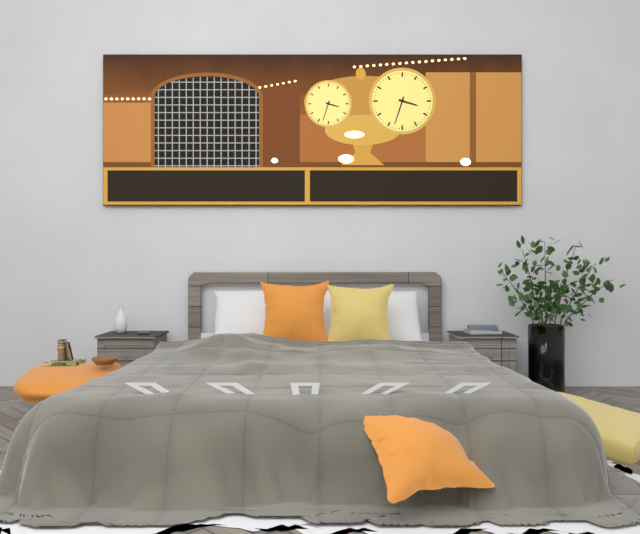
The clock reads **3:33**
